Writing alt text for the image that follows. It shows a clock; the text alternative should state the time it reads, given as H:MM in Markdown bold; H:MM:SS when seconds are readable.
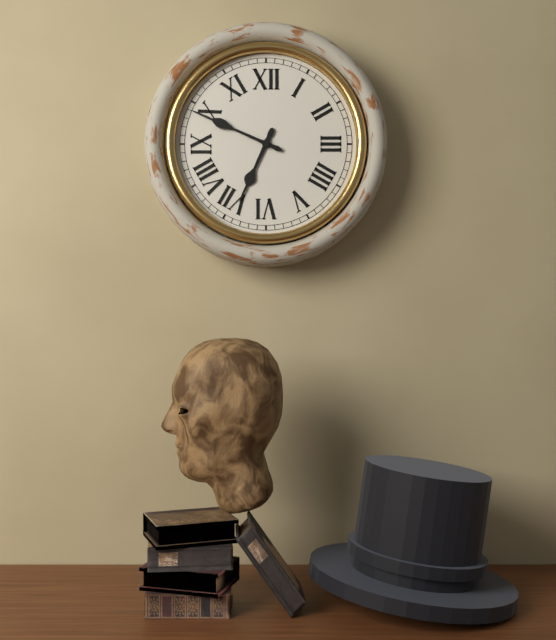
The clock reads **6:49**
